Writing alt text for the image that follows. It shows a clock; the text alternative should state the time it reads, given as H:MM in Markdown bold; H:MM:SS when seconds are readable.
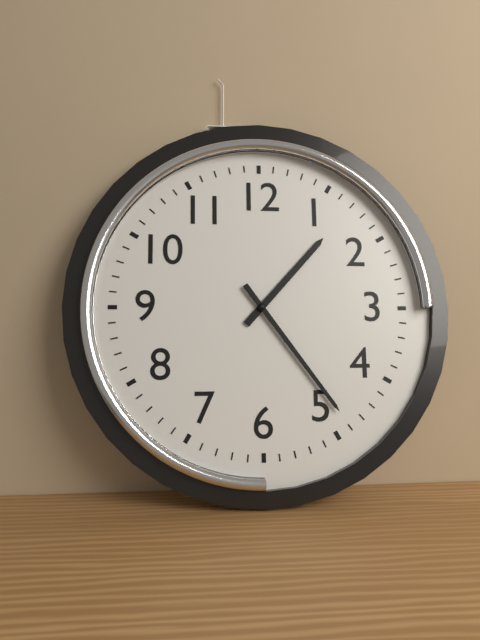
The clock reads **1:24**
